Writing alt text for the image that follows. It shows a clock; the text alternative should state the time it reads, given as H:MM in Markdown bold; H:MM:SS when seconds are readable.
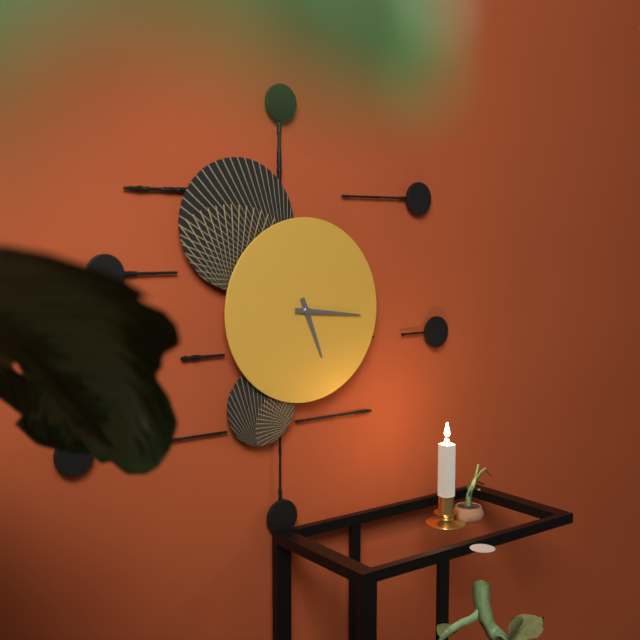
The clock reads **5:16**
